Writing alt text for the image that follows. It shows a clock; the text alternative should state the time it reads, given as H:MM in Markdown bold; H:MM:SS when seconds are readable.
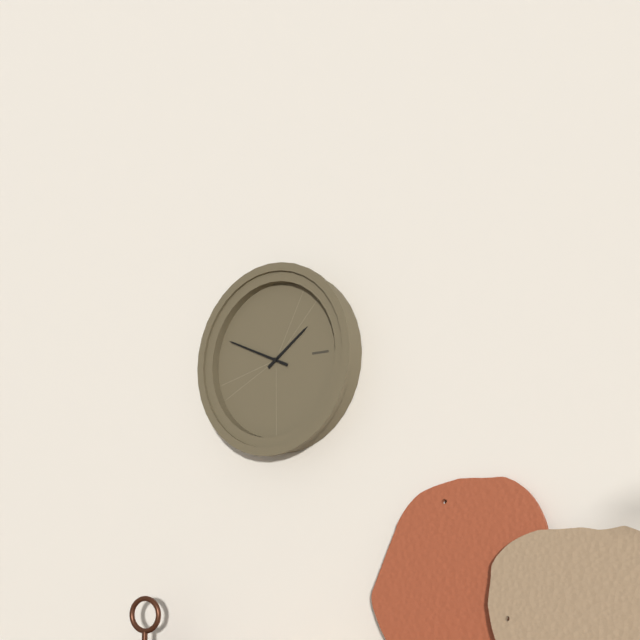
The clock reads **1:49**
